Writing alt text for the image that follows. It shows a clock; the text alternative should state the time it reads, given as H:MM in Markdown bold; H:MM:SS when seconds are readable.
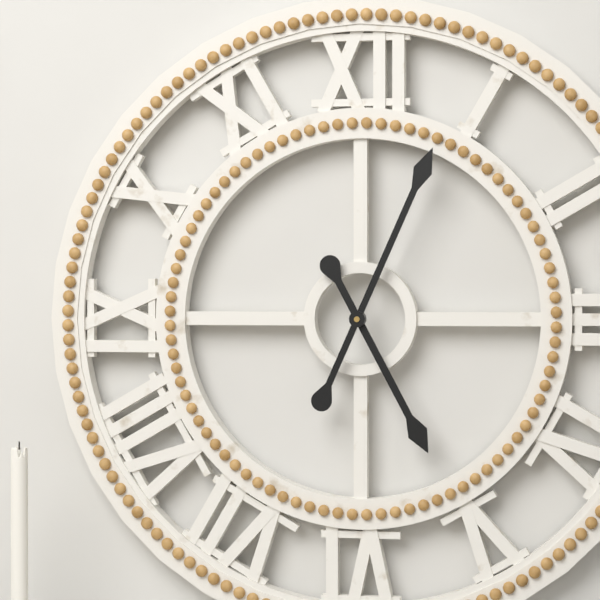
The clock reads **5:04**
